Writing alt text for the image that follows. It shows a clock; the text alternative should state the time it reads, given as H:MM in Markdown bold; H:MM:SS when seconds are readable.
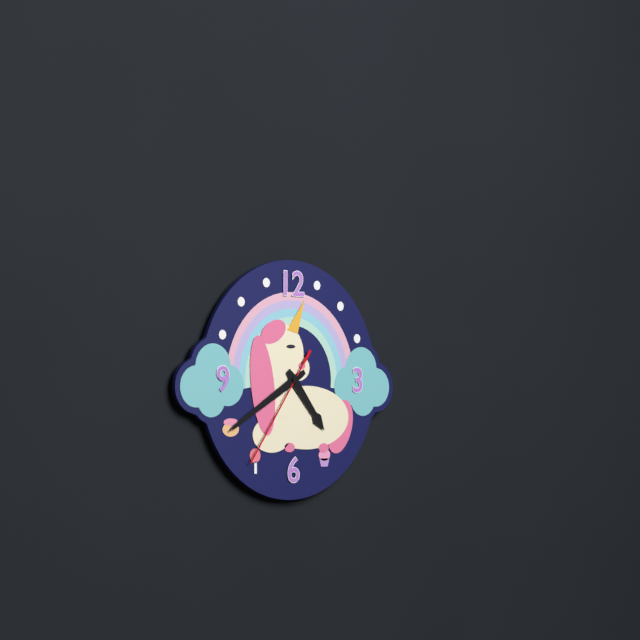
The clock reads **4:40:36**
